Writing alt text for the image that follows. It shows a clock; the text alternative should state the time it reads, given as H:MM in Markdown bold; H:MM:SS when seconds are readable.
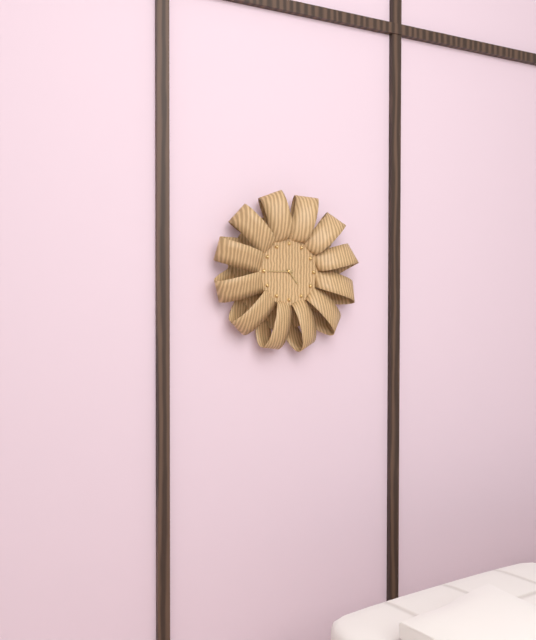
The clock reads **4:45**
